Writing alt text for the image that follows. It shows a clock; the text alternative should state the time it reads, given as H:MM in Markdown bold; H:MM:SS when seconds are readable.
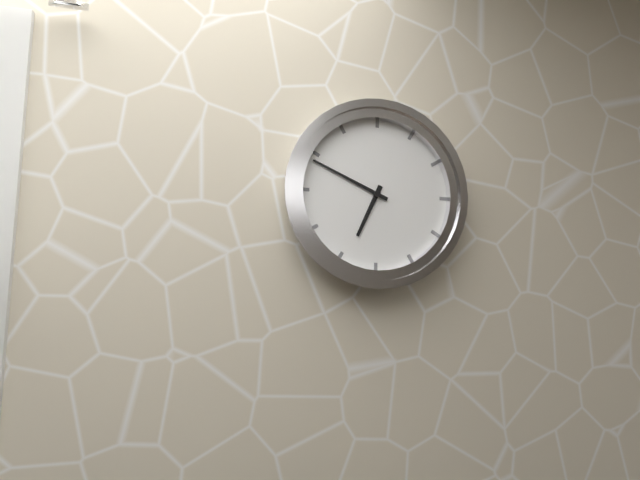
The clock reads **6:49**
